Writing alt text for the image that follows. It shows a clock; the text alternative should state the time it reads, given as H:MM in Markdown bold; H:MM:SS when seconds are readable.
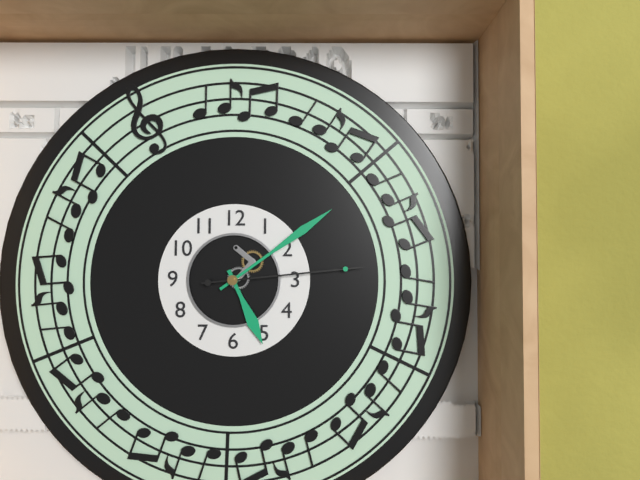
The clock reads **5:09:14**
